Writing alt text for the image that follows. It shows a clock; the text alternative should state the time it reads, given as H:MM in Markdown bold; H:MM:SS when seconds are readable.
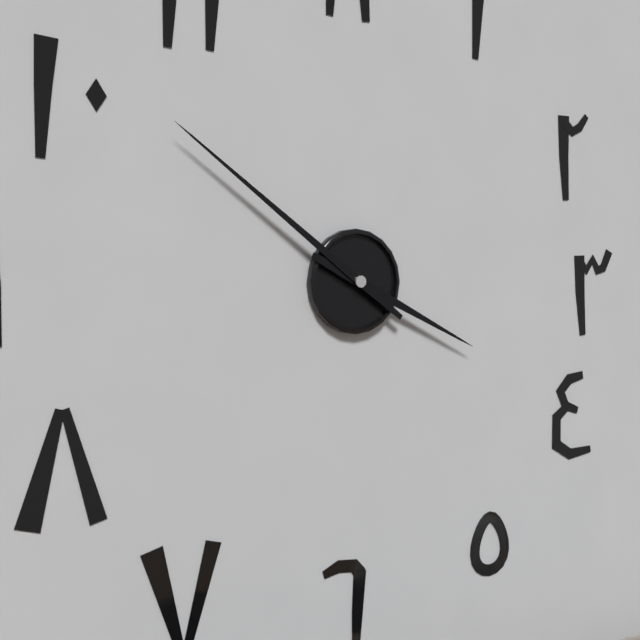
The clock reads **3:51**
